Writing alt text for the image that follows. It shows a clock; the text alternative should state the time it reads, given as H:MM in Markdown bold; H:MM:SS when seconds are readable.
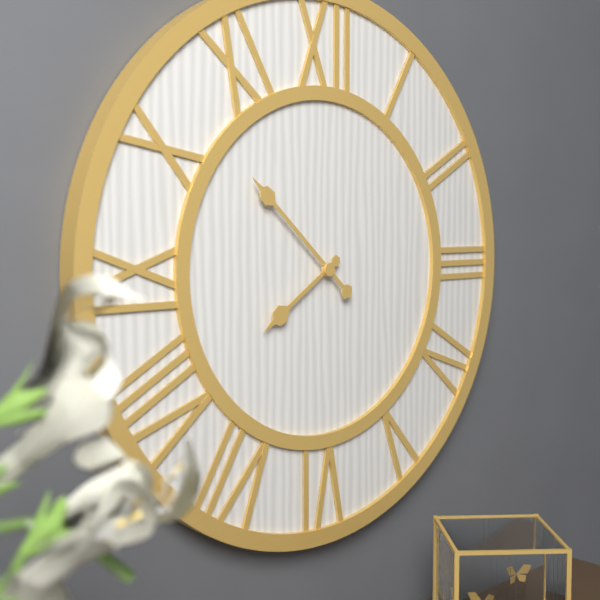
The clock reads **7:52**
